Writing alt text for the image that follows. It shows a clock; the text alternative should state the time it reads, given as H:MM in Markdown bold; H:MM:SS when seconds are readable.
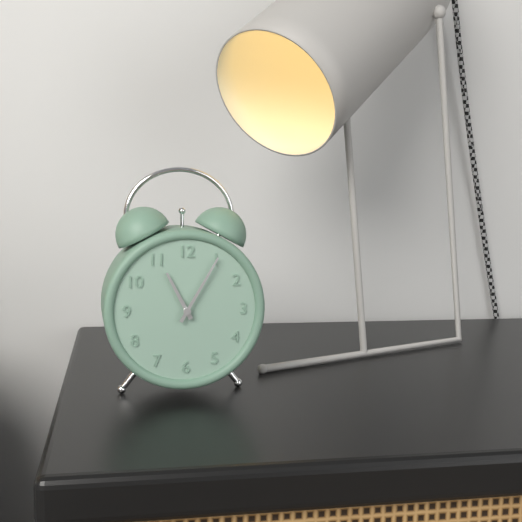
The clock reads **11:05**
